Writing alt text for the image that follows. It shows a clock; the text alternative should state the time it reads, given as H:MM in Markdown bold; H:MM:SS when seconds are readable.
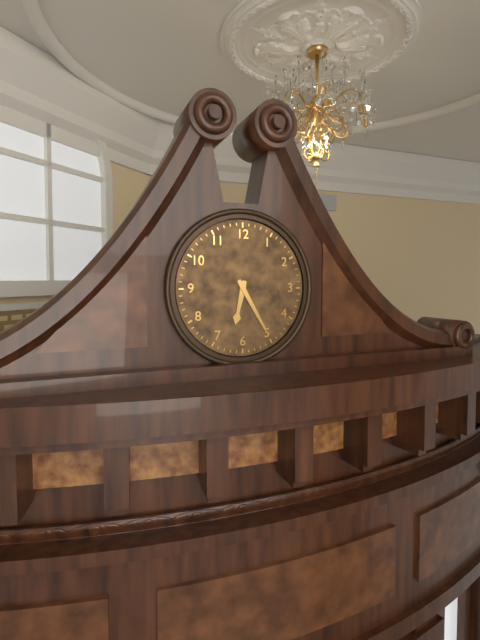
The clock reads **6:25**
